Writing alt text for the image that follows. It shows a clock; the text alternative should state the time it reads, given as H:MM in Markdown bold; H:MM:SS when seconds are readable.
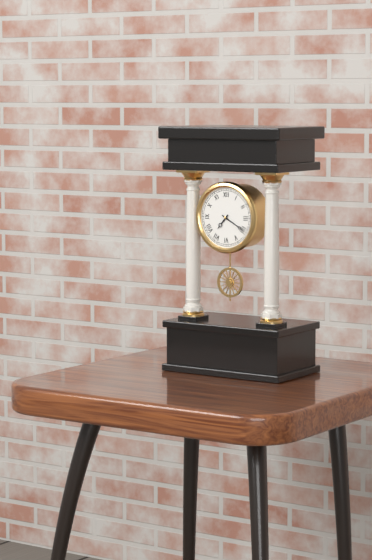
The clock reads **7:20**
